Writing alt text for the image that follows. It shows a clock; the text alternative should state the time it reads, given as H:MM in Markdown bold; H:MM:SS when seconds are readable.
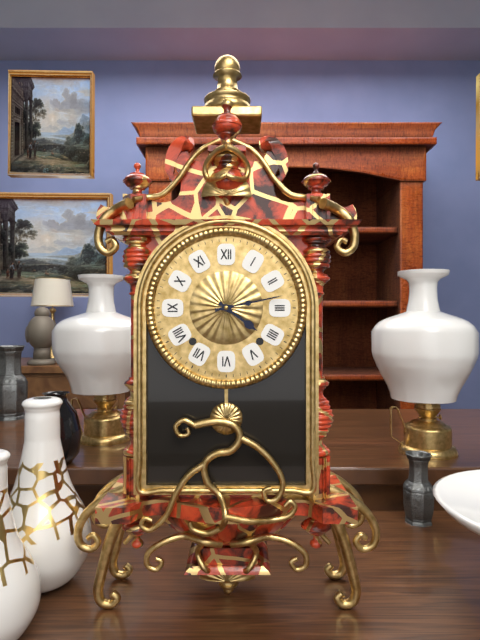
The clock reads **4:13**
